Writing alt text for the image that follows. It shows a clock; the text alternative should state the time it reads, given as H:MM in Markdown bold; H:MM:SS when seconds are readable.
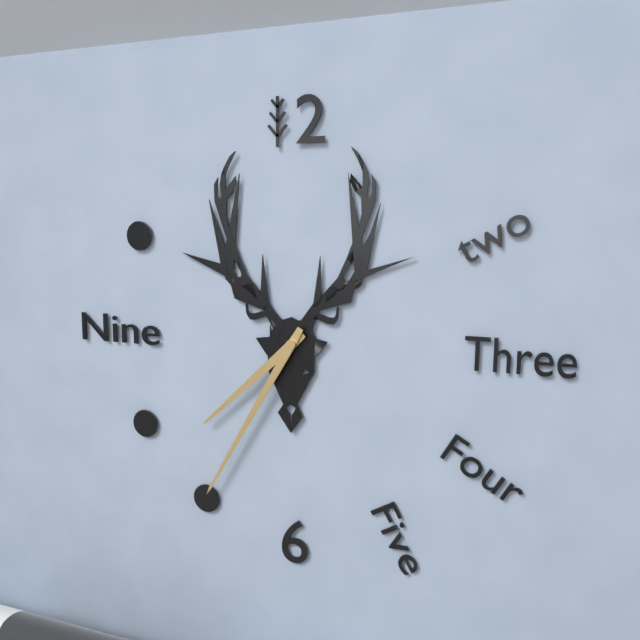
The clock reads **7:35**
